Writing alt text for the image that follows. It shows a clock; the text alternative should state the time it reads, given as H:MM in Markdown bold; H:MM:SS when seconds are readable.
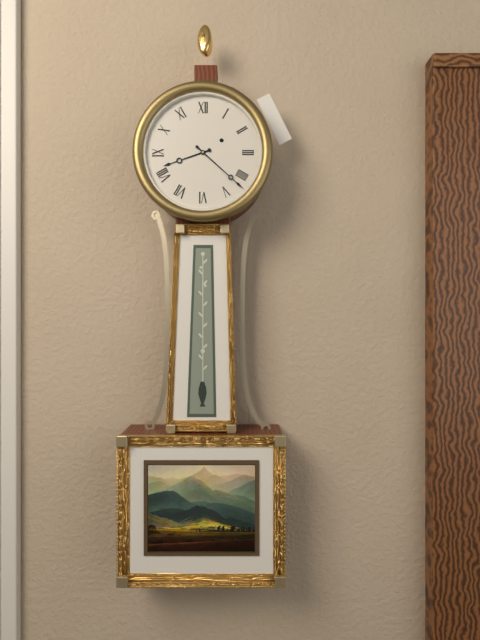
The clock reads **8:22**
